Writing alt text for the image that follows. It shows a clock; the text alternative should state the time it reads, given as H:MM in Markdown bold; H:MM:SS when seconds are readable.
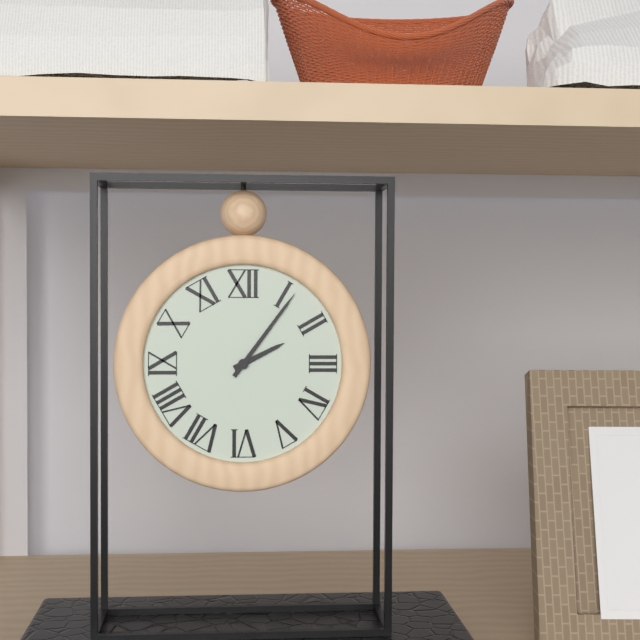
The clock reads **2:06**
